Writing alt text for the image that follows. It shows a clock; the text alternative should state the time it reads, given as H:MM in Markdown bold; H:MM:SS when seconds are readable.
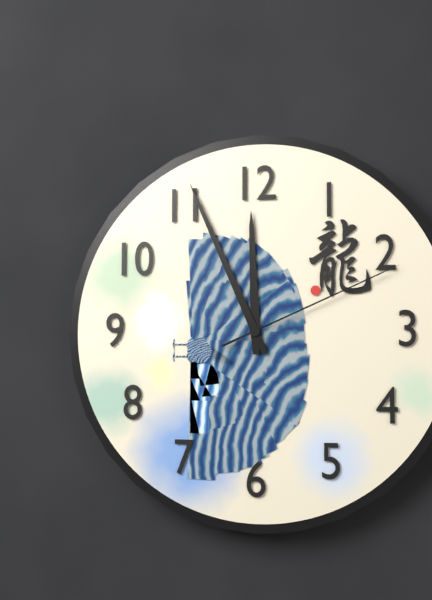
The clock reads **11:56:11**
